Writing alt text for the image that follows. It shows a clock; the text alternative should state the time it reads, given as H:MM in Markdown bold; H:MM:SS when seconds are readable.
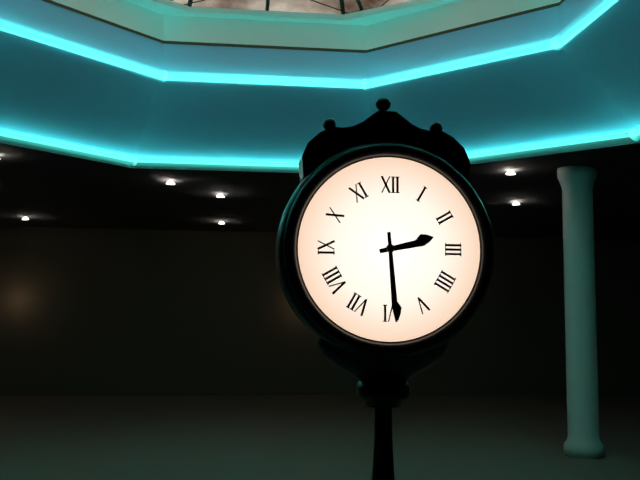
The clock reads **2:29**
